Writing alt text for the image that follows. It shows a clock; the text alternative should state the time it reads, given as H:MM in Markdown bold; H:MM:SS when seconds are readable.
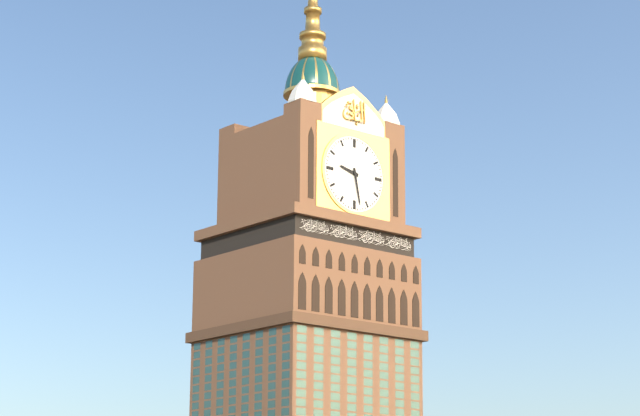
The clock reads **9:28**
